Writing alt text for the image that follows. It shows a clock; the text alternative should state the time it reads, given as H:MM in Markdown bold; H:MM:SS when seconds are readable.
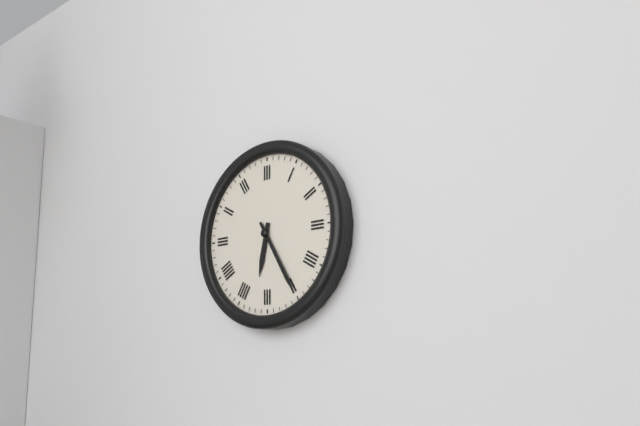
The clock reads **6:25**
